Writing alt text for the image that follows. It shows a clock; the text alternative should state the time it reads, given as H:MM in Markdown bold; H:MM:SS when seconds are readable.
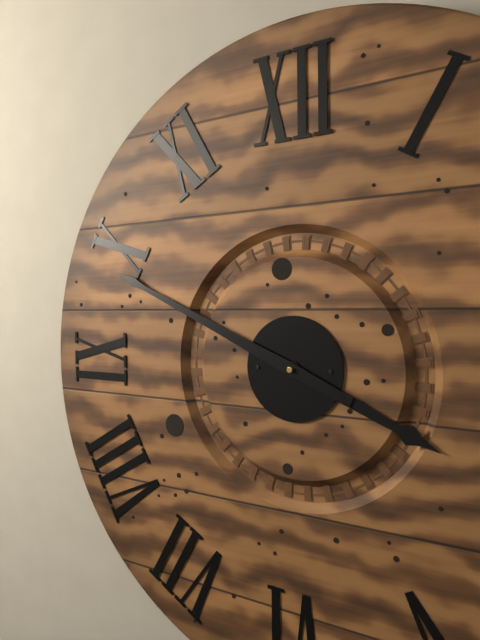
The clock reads **3:49**
